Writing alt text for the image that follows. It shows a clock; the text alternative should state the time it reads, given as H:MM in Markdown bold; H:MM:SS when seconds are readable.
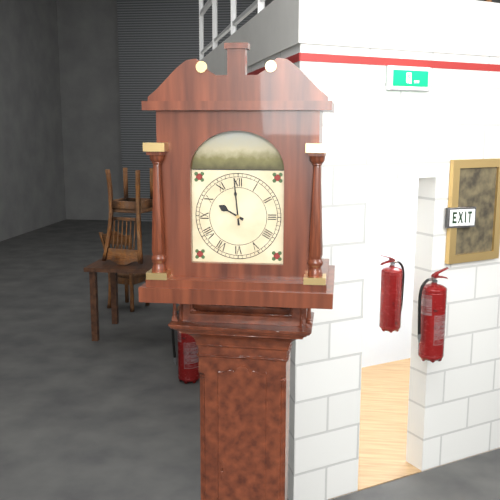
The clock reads **9:59**
